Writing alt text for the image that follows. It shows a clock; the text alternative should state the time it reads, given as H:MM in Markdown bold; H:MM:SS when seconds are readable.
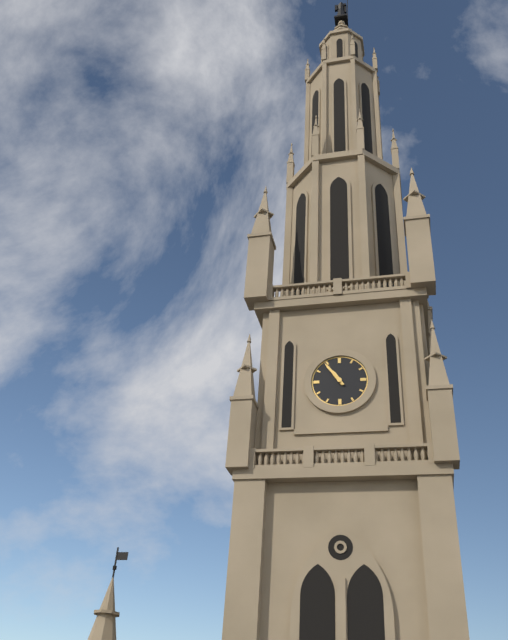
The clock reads **10:54**
